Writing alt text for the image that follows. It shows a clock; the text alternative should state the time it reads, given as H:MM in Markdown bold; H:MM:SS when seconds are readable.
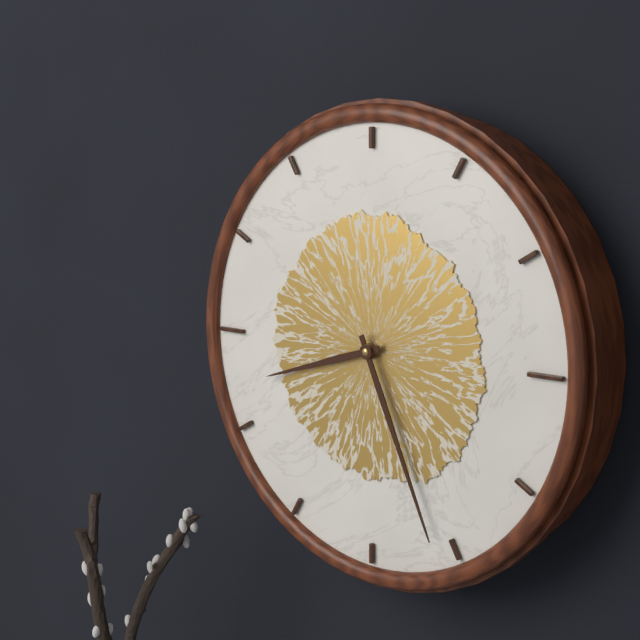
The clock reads **8:26**
